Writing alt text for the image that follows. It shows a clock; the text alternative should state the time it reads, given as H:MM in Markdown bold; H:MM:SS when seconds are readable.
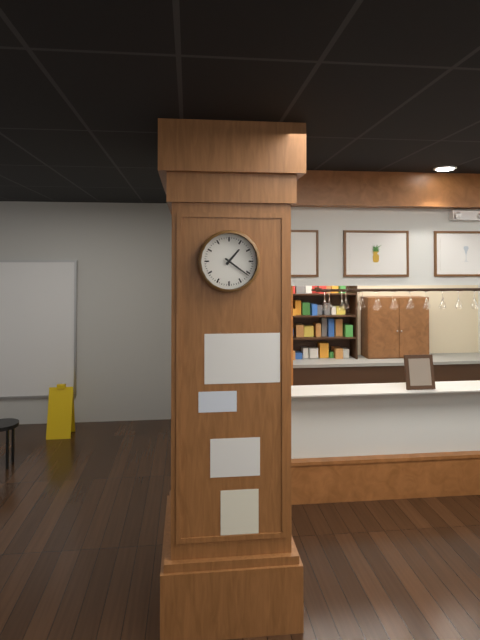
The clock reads **1:21**
